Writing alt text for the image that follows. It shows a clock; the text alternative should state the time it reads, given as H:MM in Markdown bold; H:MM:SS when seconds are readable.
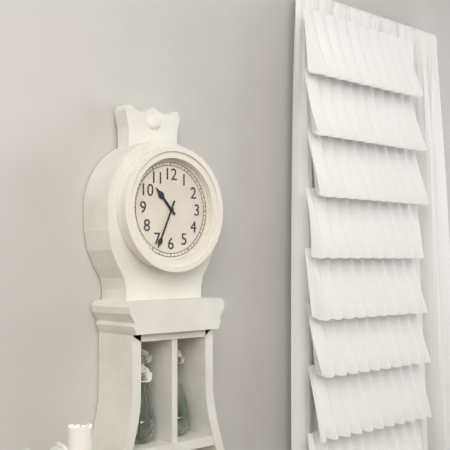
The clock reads **10:34**
